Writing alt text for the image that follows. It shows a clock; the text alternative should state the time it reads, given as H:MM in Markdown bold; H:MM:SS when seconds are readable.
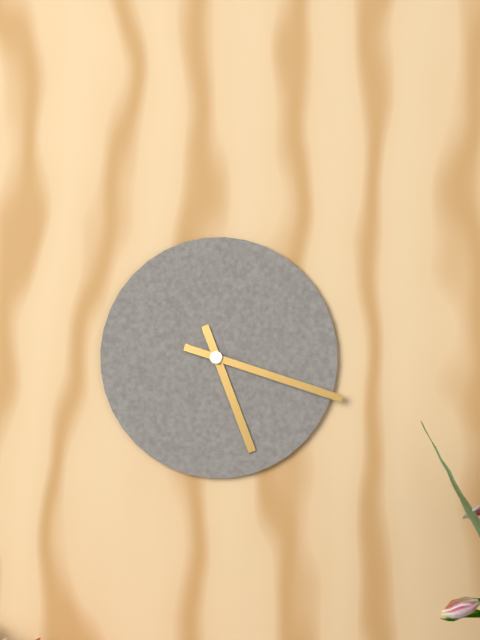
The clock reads **5:18**
